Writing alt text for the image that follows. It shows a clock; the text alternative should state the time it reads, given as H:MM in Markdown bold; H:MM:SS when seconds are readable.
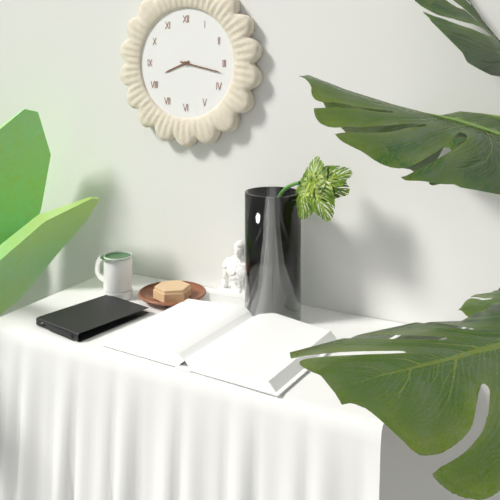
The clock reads **8:17**
